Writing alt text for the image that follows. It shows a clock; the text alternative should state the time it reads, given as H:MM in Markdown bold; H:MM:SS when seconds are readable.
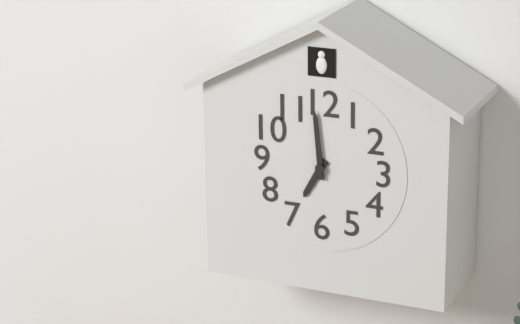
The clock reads **6:59**
